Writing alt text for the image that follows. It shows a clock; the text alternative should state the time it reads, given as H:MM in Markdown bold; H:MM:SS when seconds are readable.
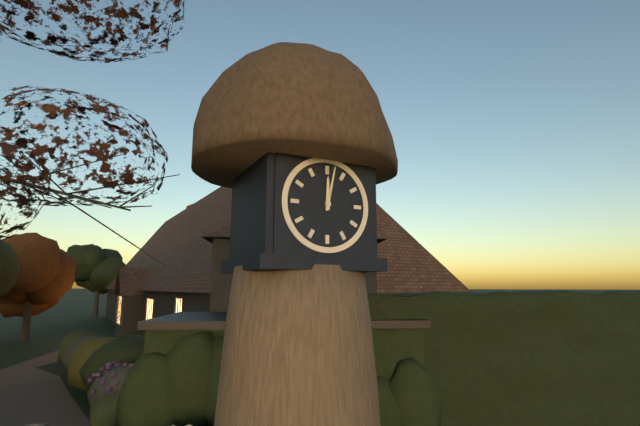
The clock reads **12:02**
